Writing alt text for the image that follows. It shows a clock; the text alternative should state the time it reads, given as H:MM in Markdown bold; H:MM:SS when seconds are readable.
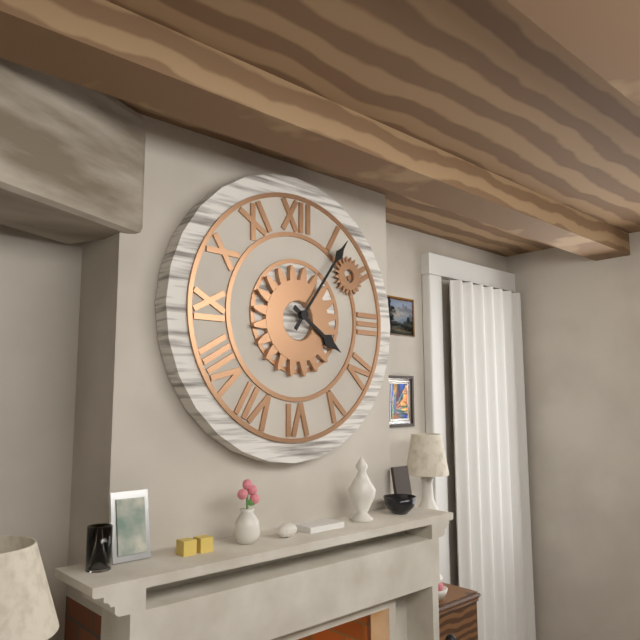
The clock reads **4:06**
